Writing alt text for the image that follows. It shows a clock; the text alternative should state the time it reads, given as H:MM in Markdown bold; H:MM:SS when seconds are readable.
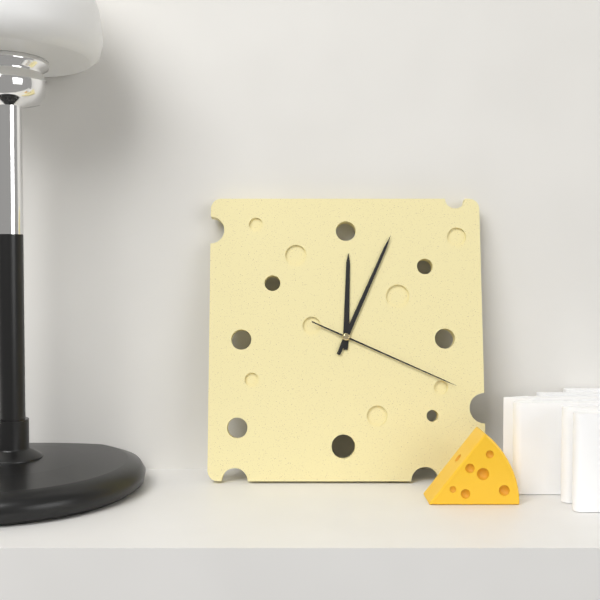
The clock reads **12:04:19**
